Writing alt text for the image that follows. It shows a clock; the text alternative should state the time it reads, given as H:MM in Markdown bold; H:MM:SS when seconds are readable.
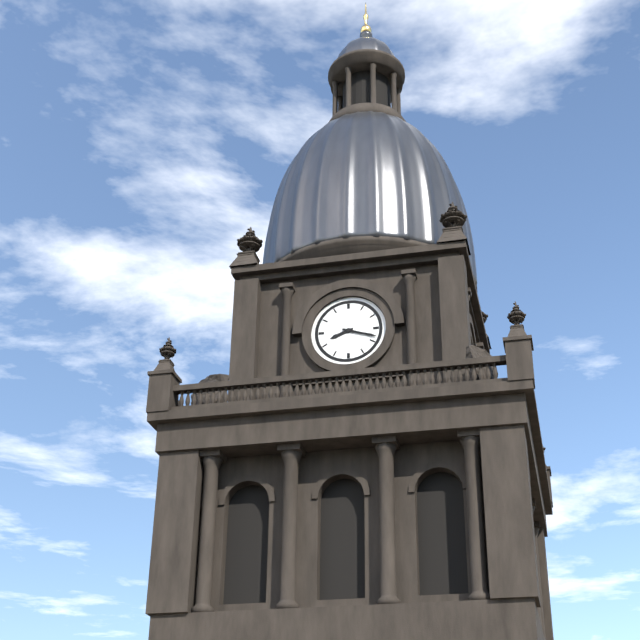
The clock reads **8:18**
